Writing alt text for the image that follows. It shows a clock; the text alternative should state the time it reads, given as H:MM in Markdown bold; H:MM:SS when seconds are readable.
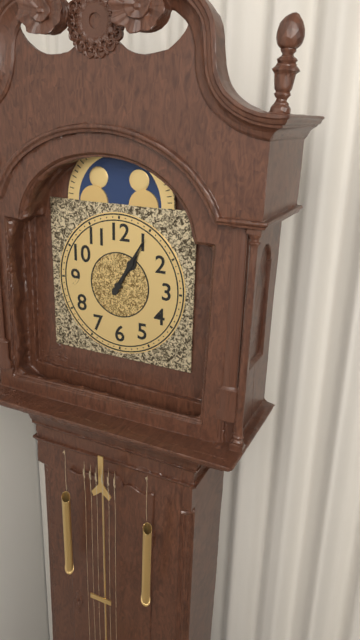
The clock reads **1:05**
